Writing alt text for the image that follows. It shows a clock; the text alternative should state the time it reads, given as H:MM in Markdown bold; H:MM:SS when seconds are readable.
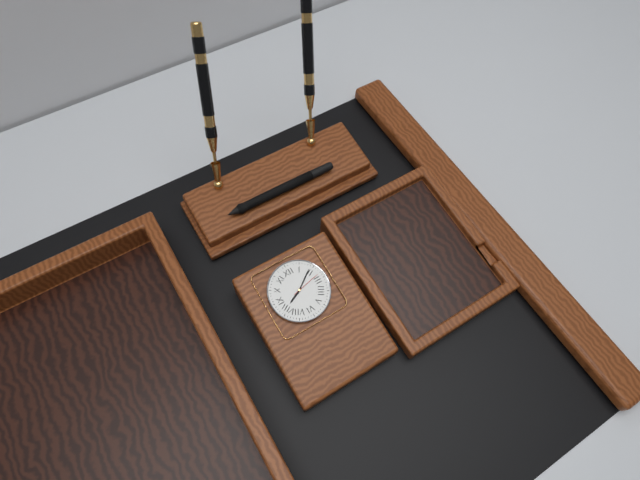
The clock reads **8:09**
